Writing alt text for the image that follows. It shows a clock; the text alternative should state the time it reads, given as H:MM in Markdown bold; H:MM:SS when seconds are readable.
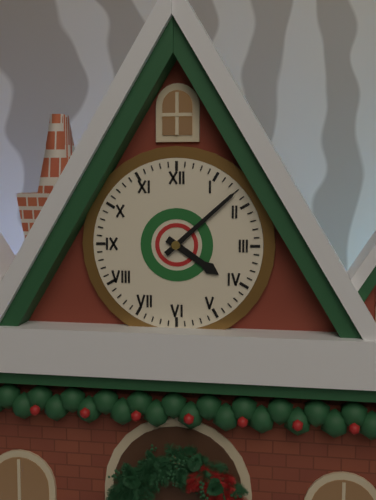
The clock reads **4:08**
